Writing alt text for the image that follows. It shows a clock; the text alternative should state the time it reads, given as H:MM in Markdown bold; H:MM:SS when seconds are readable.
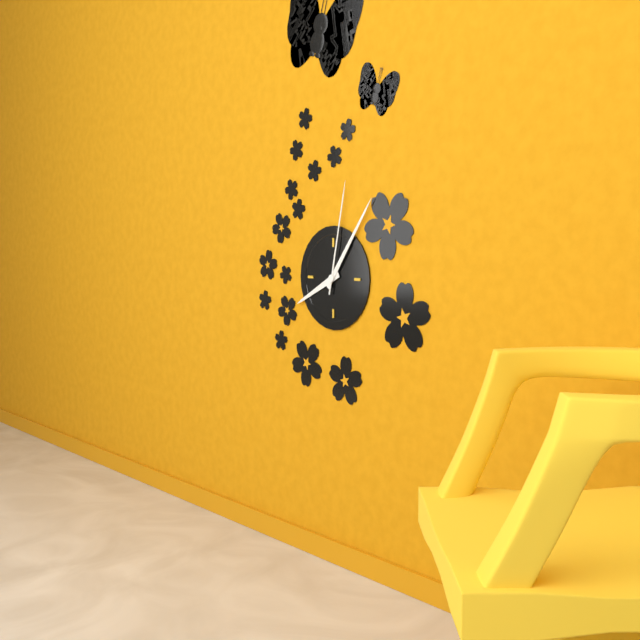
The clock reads **8:06:02**
